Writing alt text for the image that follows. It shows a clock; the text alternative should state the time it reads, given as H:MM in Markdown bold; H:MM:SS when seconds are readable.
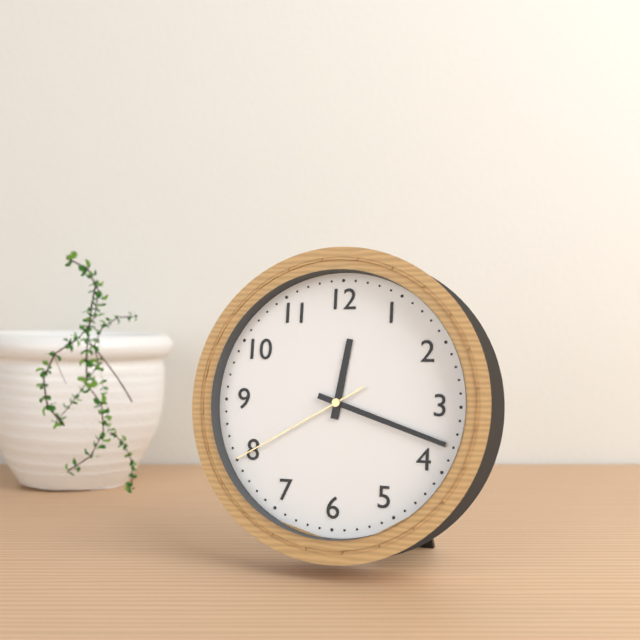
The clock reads **12:18:40**
